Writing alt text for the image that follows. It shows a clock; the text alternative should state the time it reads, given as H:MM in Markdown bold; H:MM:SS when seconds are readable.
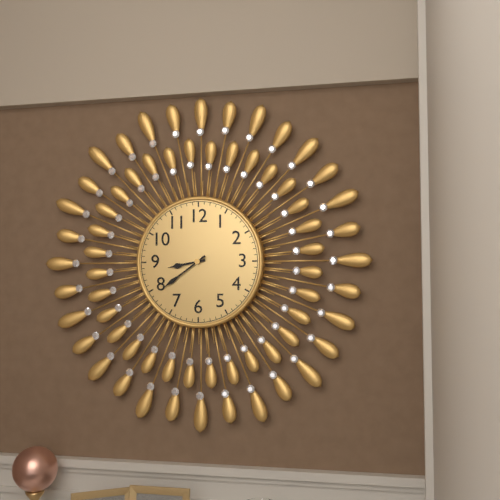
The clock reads **8:39**
